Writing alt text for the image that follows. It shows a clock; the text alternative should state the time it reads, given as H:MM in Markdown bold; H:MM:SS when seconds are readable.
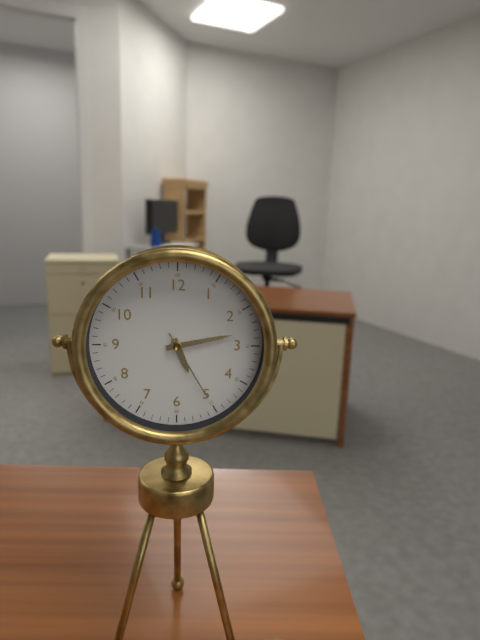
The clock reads **5:13:25**
